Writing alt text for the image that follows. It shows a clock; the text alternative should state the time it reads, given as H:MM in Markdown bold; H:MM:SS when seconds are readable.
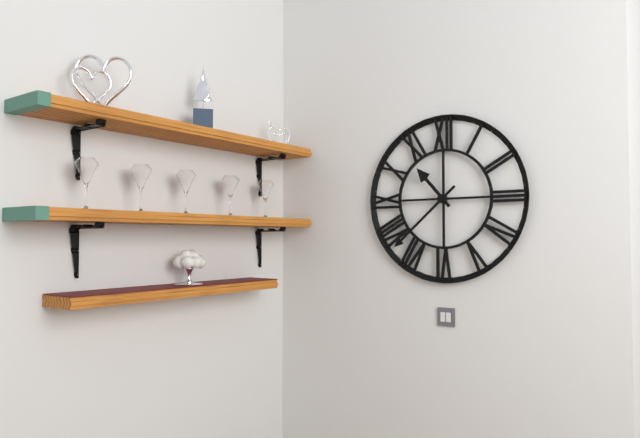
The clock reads **10:38**
